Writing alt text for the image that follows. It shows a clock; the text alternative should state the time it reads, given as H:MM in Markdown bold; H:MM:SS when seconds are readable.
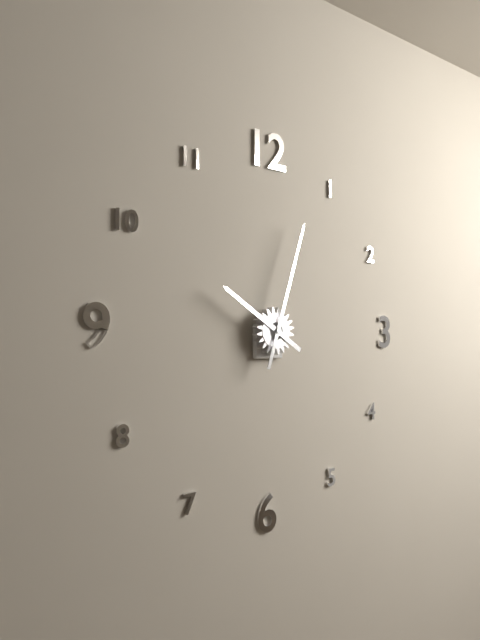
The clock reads **10:03**
